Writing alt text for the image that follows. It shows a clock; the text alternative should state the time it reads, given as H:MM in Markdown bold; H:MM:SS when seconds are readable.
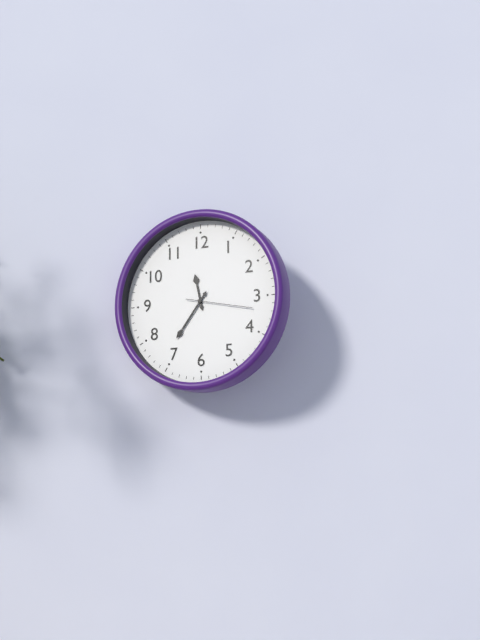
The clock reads **11:36:17**
